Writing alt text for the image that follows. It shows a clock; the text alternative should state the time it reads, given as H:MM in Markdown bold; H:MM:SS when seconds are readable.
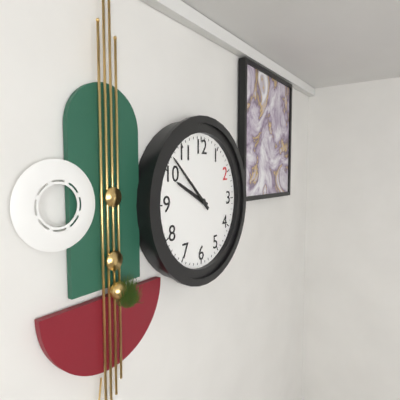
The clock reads **9:52**
